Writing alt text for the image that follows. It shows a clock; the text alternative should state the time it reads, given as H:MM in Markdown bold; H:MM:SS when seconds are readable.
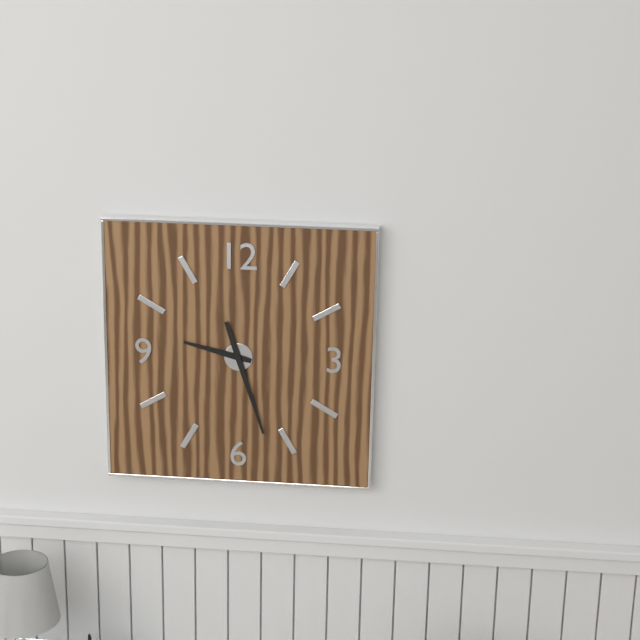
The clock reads **9:27**
